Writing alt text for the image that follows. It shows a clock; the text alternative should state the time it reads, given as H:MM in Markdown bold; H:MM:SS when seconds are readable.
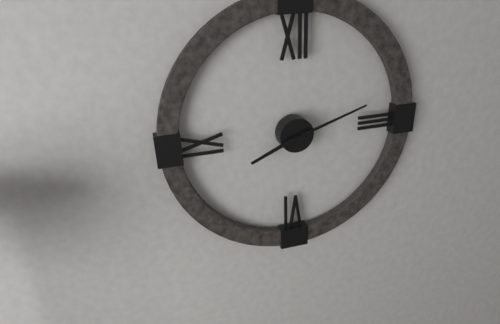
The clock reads **8:12**
